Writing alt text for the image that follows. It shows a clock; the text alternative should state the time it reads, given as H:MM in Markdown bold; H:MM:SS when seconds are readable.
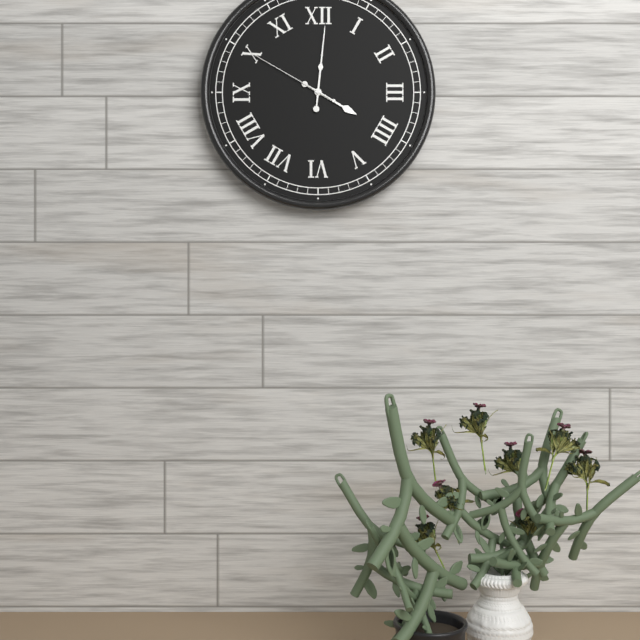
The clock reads **4:01:50**
